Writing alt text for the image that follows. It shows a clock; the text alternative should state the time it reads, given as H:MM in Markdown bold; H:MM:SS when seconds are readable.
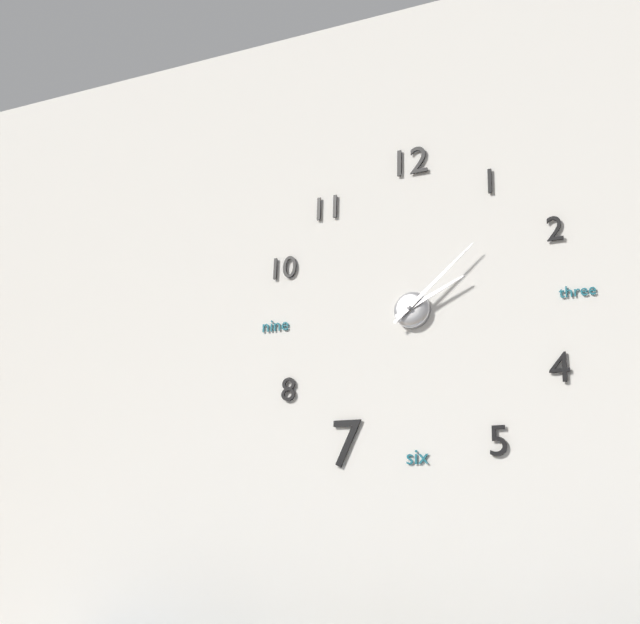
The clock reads **2:08**
